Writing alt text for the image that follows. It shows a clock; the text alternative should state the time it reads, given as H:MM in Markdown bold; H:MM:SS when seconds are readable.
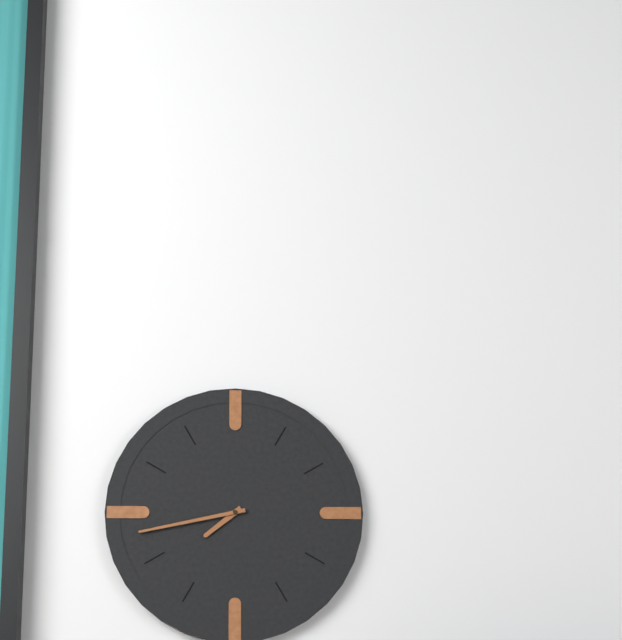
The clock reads **7:43**
